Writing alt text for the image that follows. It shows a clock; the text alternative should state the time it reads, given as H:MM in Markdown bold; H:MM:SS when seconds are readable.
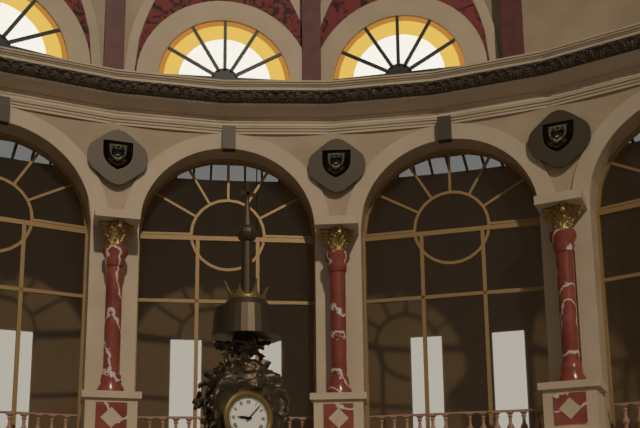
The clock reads **9:07**
